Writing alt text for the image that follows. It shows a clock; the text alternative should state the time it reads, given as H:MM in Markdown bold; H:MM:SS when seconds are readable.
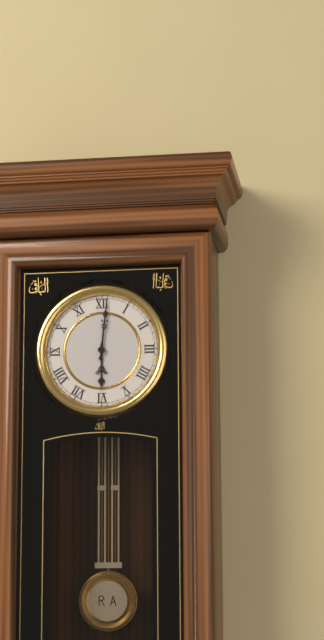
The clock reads **6:01**
